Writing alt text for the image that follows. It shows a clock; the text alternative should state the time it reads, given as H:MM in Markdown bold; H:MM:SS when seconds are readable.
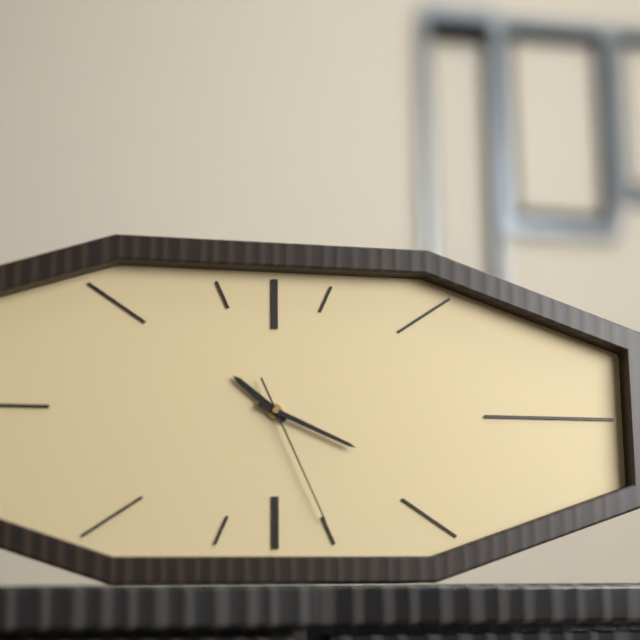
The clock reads **10:19:26**
